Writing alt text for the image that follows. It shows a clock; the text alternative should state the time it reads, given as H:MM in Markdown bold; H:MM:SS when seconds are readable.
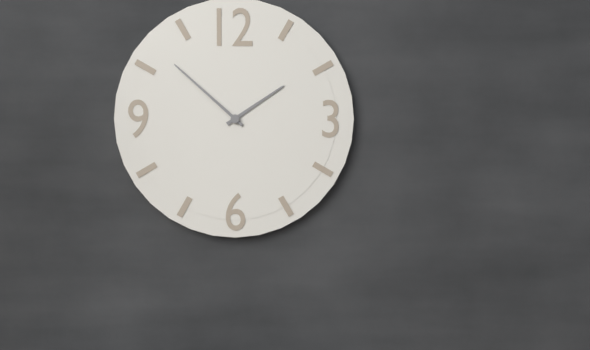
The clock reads **1:52**
